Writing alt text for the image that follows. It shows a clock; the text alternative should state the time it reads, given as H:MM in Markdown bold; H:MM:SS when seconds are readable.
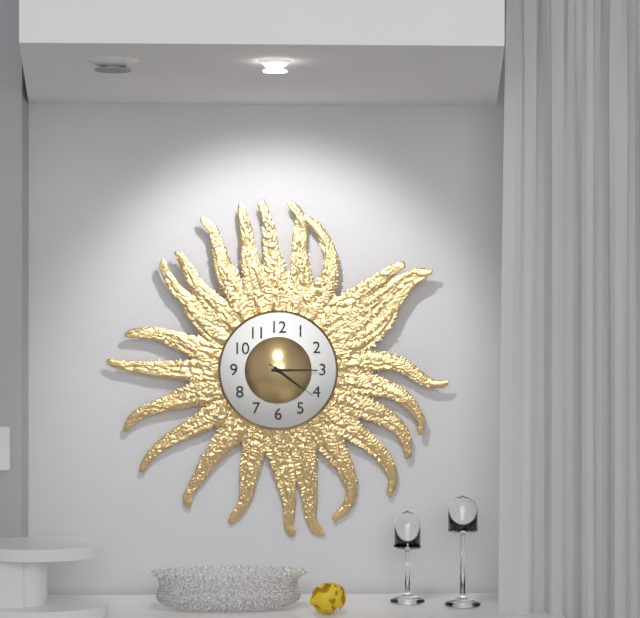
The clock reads **4:15:21**
